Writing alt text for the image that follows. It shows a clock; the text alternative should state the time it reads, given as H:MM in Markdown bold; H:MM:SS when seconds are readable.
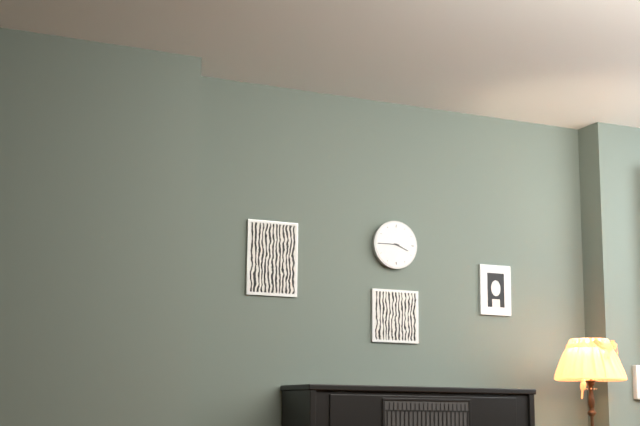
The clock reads **3:45**
